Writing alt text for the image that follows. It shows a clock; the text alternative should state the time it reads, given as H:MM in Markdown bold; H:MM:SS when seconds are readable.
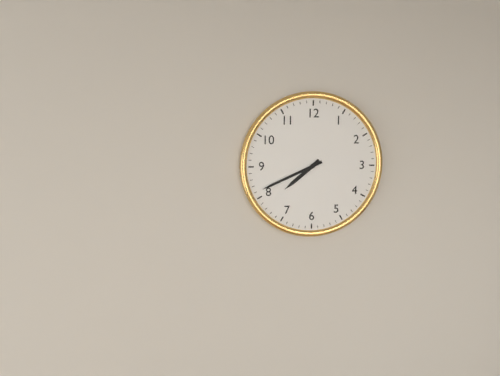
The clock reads **7:41**
